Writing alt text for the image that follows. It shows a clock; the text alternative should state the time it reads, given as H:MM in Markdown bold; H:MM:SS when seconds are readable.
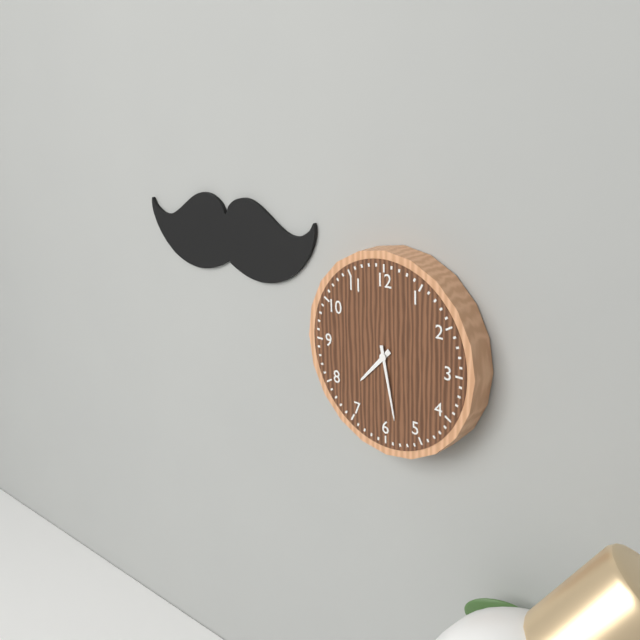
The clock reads **7:28**
